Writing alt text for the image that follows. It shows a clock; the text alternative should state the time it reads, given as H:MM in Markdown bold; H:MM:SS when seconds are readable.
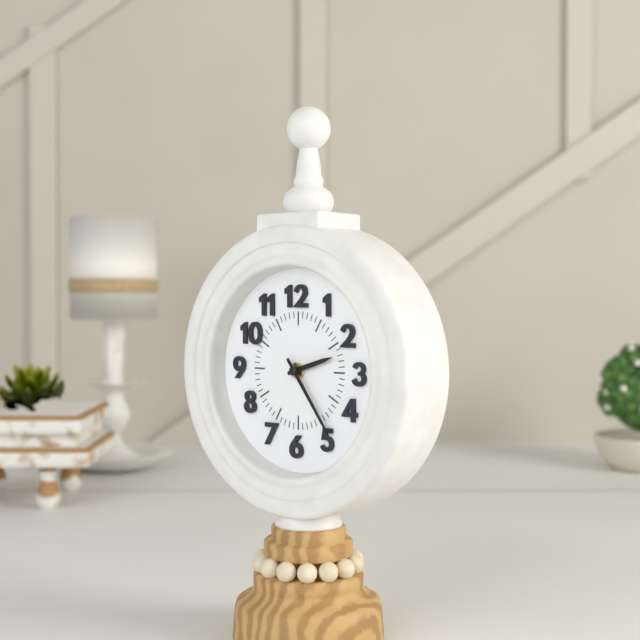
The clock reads **2:24**
